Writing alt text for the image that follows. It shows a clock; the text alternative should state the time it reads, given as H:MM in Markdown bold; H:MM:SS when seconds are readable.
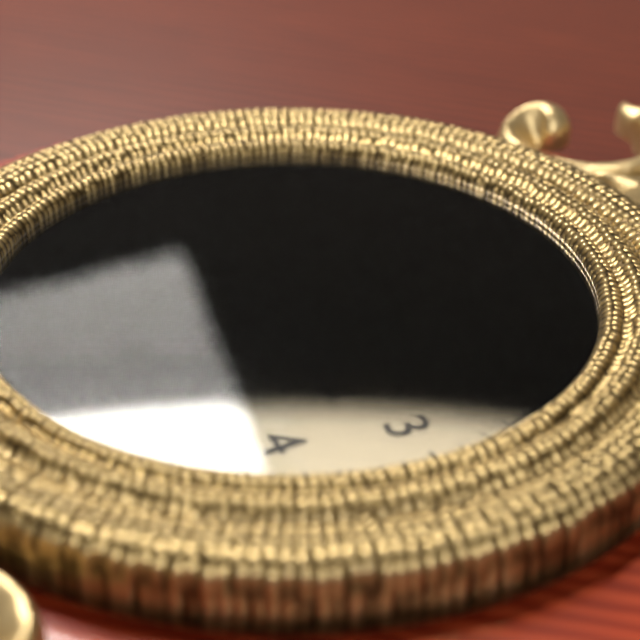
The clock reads **3:27:51**
